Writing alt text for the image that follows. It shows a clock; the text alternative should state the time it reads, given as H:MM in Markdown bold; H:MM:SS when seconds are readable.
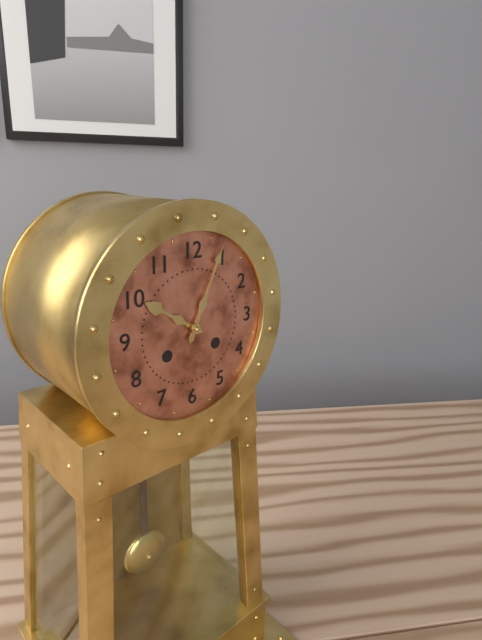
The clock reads **10:04**
